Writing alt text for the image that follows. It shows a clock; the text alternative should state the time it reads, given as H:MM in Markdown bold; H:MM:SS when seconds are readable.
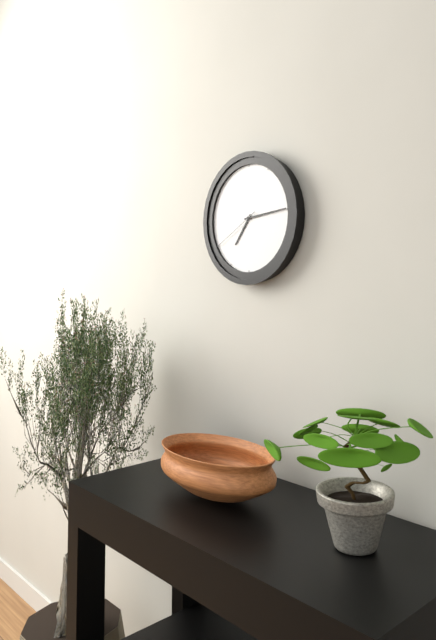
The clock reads **7:14:40**
